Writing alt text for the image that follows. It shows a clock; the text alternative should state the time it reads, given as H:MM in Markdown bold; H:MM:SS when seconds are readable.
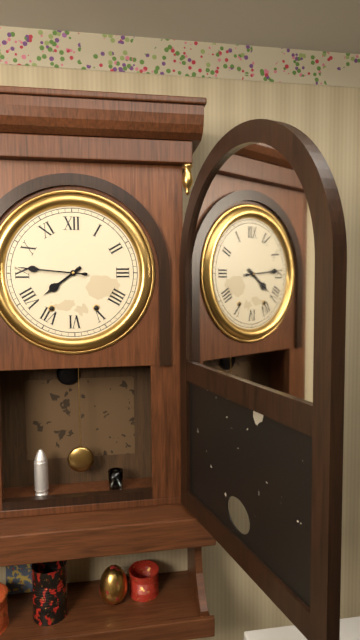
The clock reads **7:46**
